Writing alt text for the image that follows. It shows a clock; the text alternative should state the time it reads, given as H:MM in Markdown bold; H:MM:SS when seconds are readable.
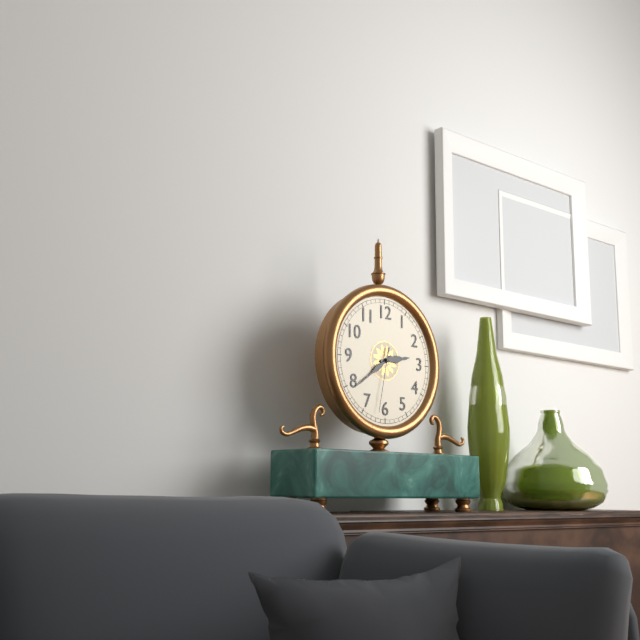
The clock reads **2:39:32**
